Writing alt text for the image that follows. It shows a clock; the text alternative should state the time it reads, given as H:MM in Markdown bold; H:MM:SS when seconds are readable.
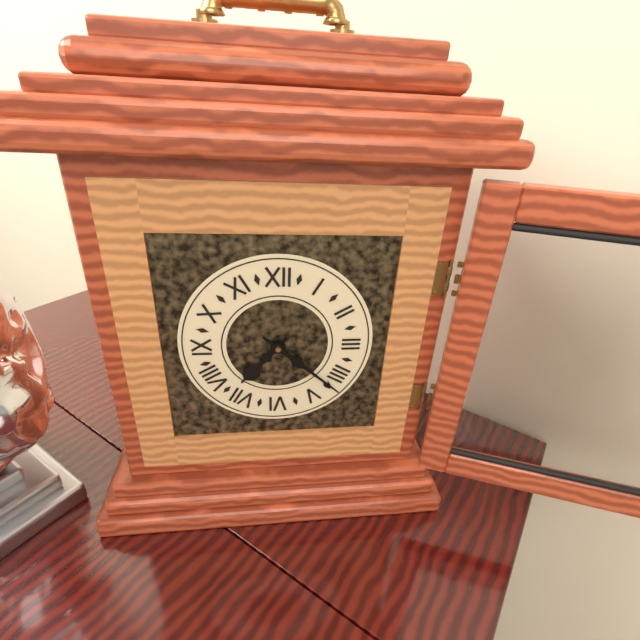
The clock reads **7:22**
